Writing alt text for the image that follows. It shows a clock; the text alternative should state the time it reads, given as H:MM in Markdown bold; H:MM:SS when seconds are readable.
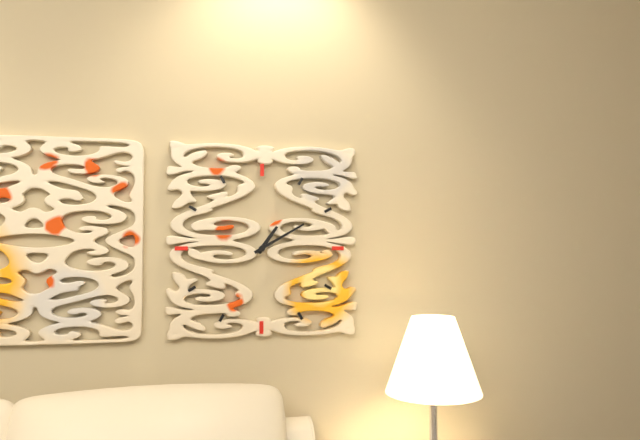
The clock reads **1:10**
